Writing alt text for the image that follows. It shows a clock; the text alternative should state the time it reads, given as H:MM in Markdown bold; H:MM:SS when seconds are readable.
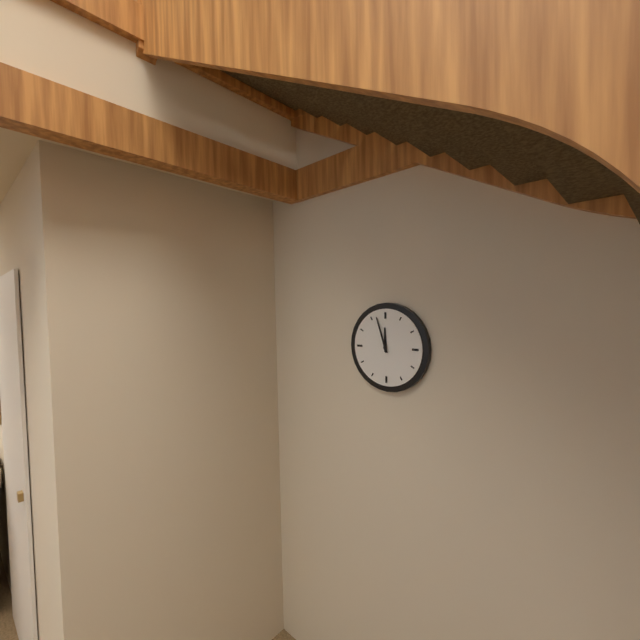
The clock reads **11:57**
